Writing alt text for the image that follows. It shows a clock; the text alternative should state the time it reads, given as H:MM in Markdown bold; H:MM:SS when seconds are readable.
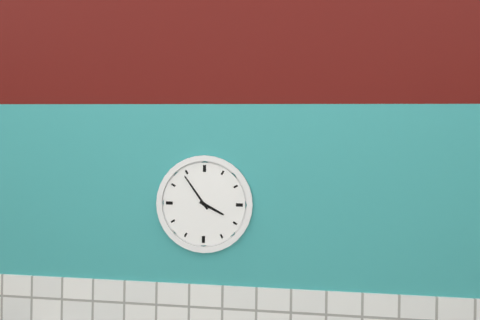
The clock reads **3:54**
